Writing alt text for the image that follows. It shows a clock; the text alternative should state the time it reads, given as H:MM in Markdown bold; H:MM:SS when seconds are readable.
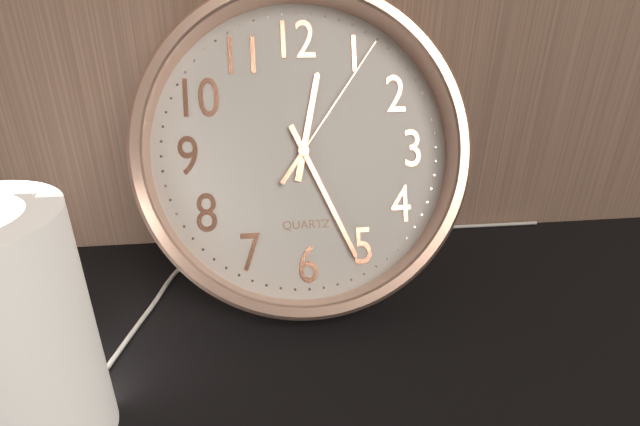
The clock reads **12:26:06**
